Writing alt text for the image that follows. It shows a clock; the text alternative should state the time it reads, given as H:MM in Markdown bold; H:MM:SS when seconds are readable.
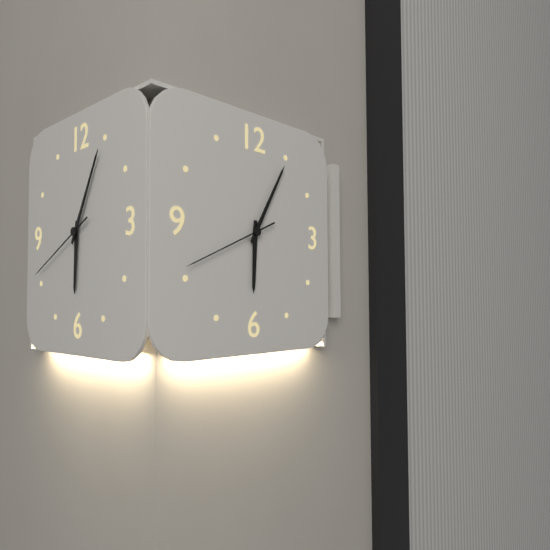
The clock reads **6:05:41**
